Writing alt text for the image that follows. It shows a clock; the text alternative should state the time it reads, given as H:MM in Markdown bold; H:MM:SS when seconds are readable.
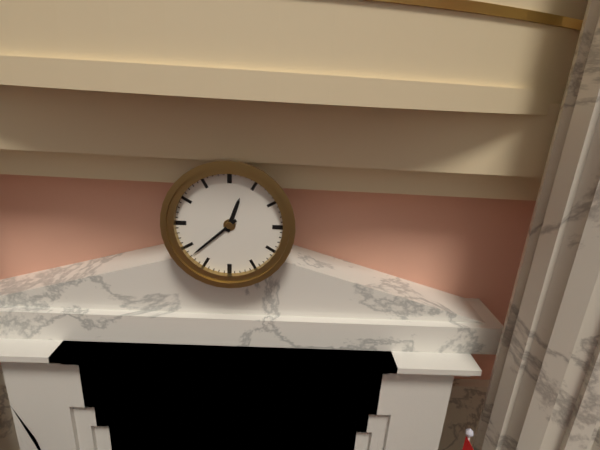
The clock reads **12:38**
